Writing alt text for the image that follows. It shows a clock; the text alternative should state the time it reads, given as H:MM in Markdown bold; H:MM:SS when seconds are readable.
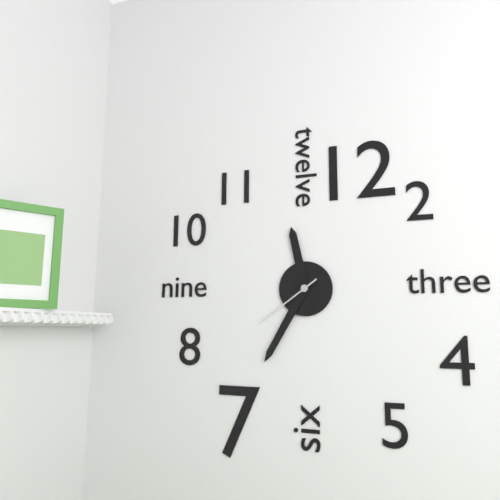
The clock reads **11:35:39**
